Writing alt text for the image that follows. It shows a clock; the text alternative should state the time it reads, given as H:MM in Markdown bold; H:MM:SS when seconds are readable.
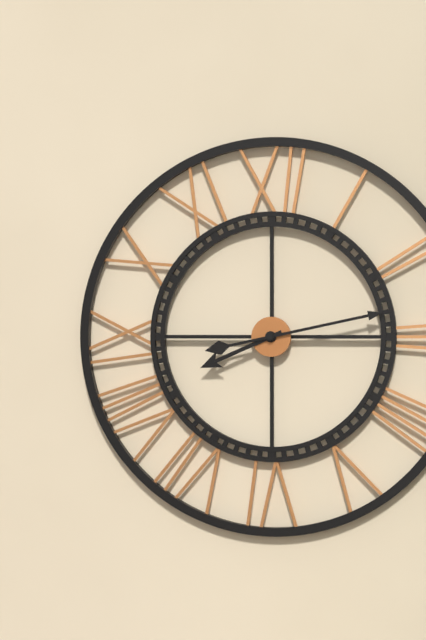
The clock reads **8:13**
